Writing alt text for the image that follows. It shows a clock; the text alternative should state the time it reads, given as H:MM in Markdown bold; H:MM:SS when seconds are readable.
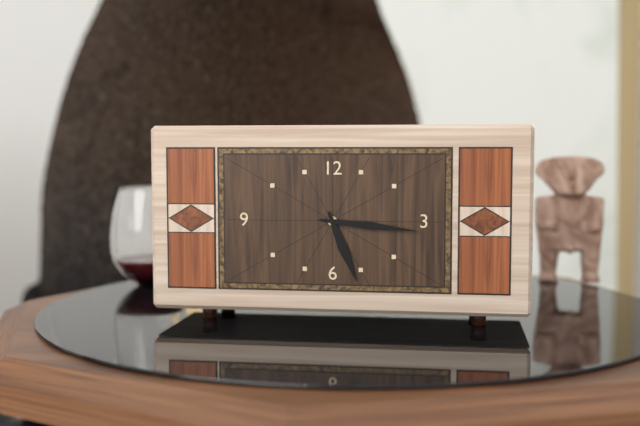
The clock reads **5:16**
